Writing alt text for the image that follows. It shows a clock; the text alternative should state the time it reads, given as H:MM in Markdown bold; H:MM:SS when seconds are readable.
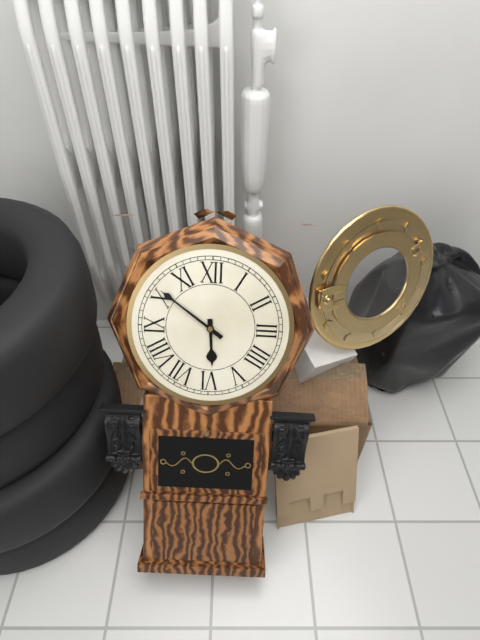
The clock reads **5:51**
